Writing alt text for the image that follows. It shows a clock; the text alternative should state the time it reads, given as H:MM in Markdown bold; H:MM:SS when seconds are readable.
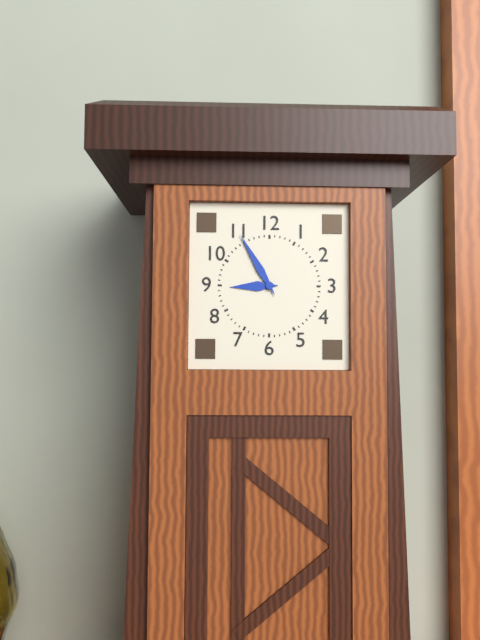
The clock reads **8:55**
